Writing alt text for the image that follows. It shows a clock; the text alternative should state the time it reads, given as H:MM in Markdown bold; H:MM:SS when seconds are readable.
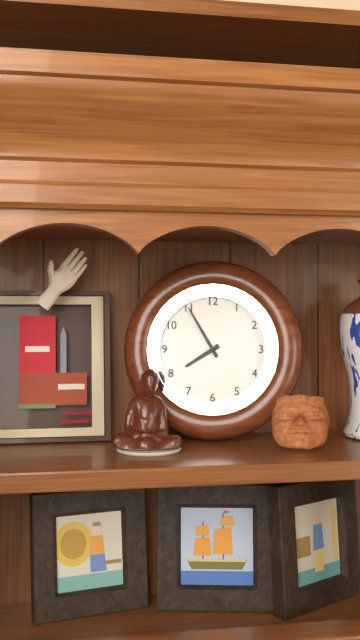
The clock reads **7:55**
